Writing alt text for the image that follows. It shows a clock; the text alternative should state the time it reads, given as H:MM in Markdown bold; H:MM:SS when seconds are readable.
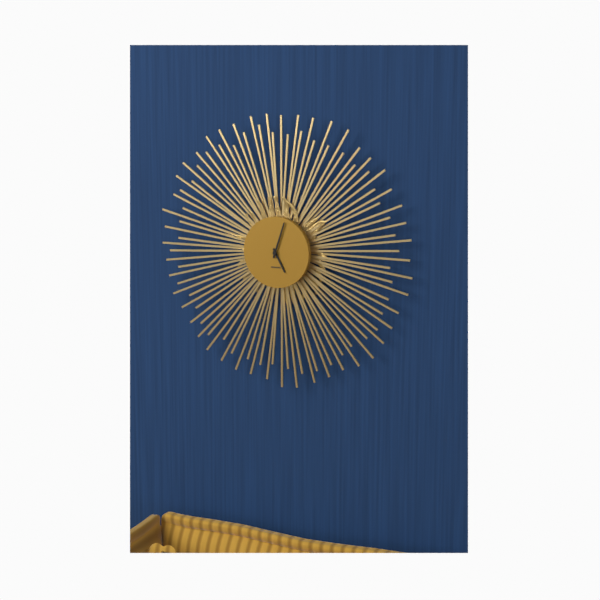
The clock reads **5:03**
